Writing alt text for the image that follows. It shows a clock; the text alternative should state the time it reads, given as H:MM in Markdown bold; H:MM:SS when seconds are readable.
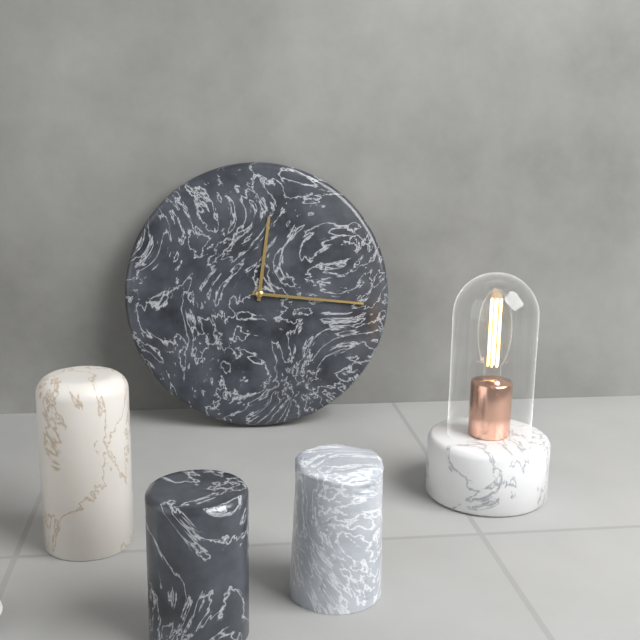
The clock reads **12:16**
